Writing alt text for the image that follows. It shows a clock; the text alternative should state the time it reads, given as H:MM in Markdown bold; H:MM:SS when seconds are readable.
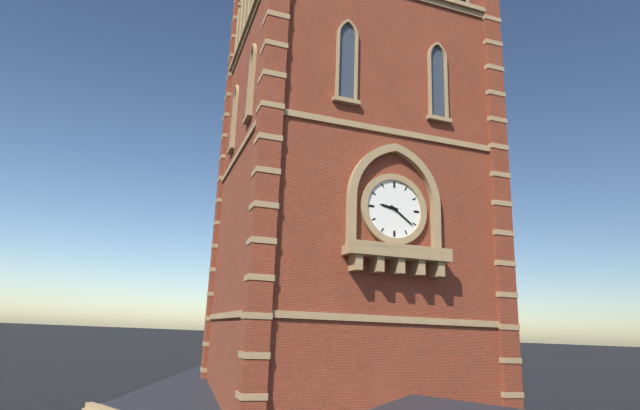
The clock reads **9:21**
